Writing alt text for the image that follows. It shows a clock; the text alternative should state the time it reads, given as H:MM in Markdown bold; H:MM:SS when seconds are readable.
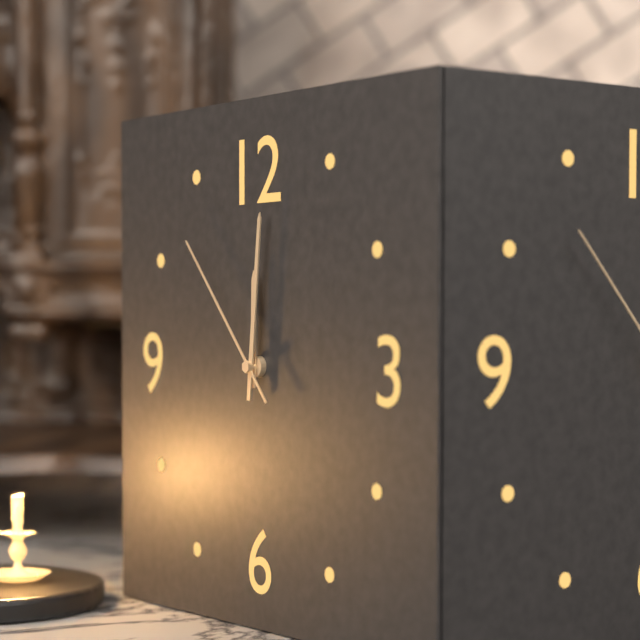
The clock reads **12:01:53**
